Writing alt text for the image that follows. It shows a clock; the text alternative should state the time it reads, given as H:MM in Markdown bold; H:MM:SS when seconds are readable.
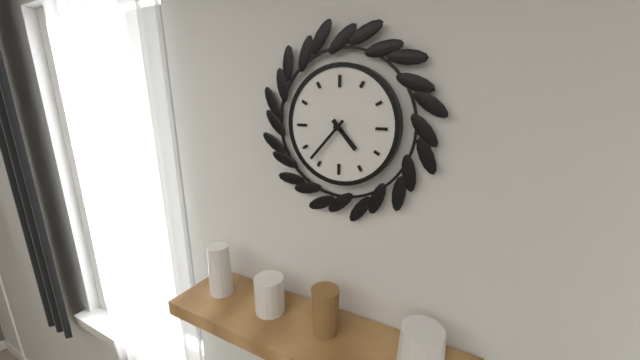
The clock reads **4:37**
